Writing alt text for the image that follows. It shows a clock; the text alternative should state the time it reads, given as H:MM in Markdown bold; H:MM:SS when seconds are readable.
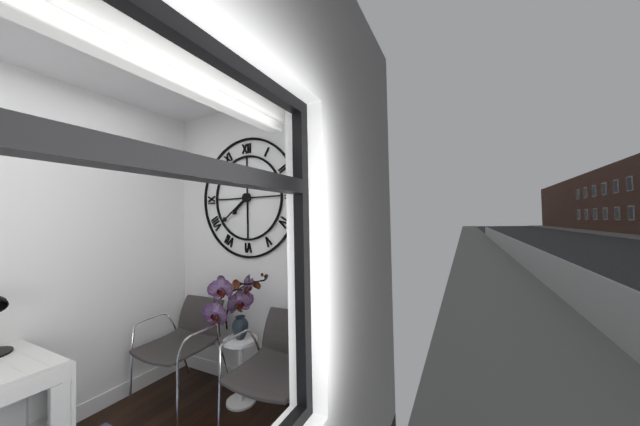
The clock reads **7:39**
